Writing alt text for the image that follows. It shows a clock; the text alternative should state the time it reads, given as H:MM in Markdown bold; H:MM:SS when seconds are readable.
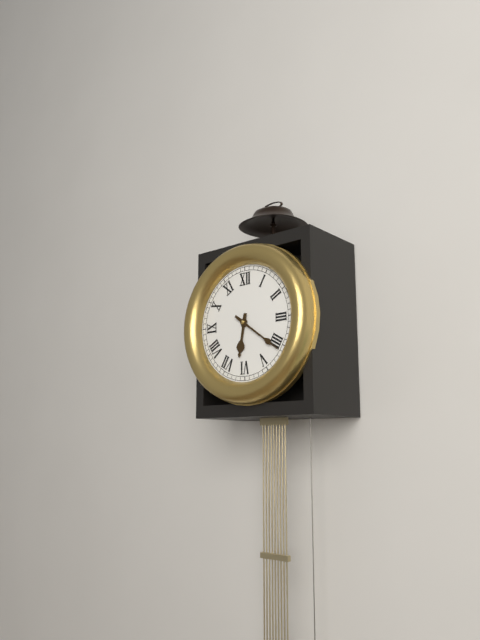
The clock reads **6:21**
